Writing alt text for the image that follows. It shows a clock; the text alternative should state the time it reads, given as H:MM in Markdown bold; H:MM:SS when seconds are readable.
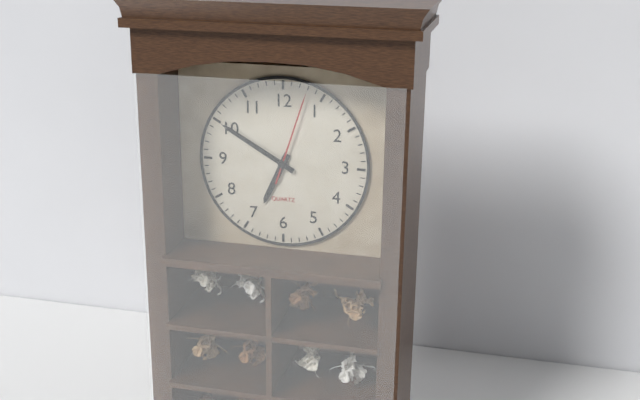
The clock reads **6:50:03**
